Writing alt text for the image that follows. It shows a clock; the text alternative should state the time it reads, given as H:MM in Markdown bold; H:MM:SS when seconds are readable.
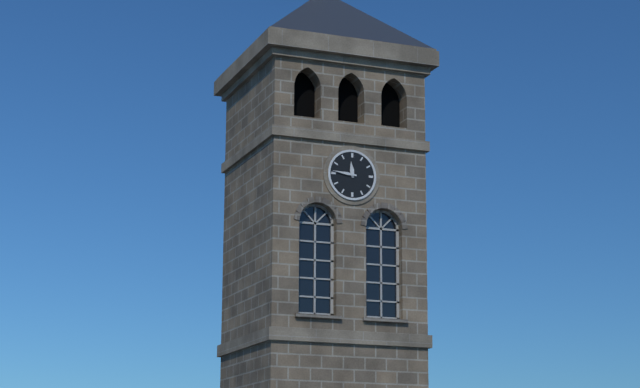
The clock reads **11:46**
